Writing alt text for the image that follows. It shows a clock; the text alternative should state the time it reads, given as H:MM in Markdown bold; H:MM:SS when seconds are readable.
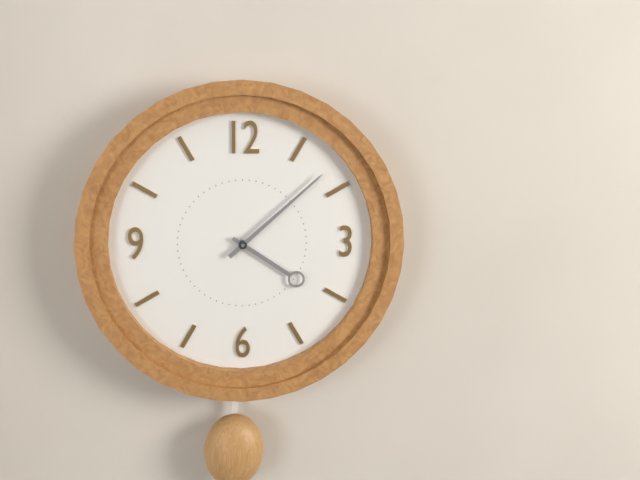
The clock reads **4:08**
